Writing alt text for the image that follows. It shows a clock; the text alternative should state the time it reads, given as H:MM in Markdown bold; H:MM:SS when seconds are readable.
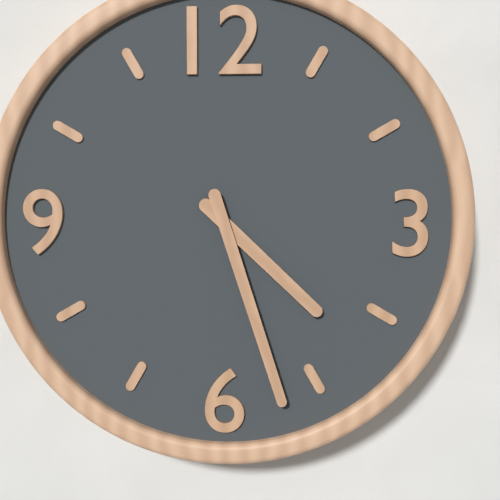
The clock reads **4:27**
